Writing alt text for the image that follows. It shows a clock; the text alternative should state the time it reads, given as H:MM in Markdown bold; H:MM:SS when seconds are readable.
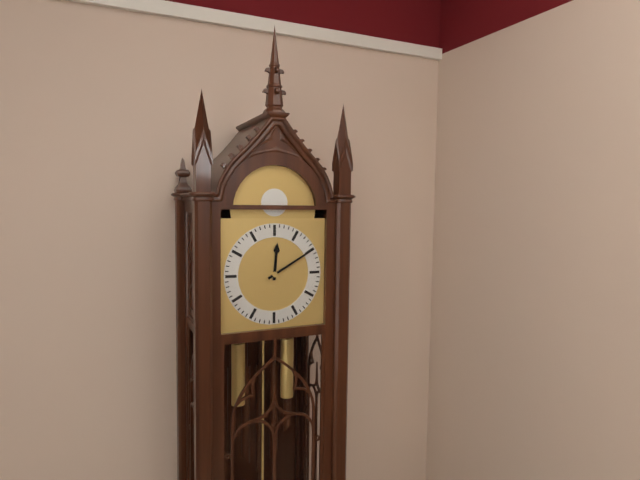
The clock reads **12:10**
